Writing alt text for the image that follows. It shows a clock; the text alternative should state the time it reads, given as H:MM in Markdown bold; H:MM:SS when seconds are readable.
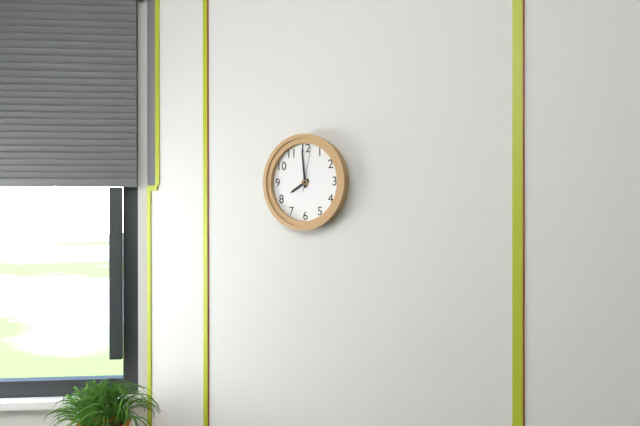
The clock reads **7:59**
